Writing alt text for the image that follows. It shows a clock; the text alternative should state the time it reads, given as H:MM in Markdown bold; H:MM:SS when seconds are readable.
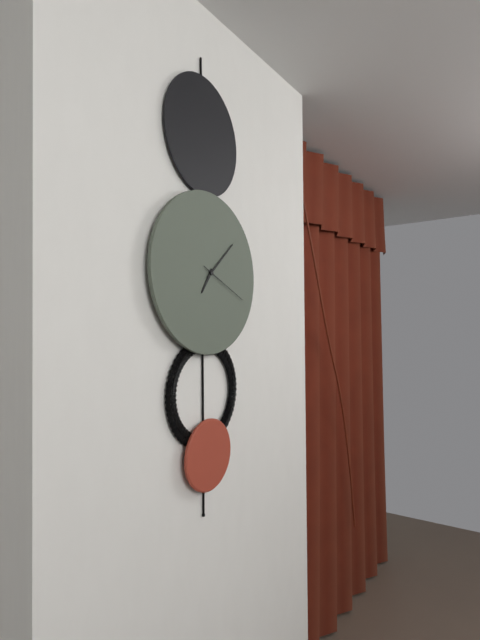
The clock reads **7:08:19**
